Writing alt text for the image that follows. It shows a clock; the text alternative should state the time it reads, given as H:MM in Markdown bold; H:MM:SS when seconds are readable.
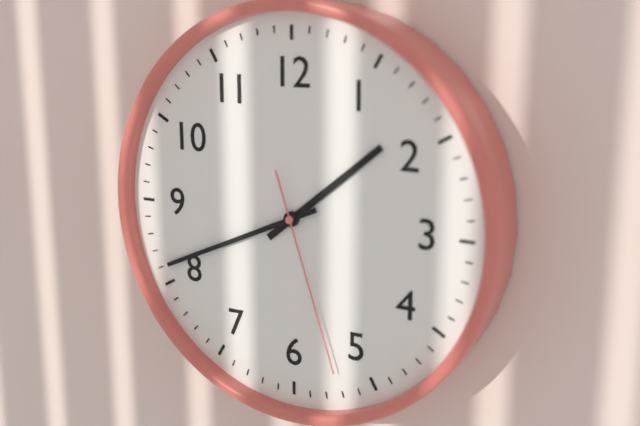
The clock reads **1:41:27**
